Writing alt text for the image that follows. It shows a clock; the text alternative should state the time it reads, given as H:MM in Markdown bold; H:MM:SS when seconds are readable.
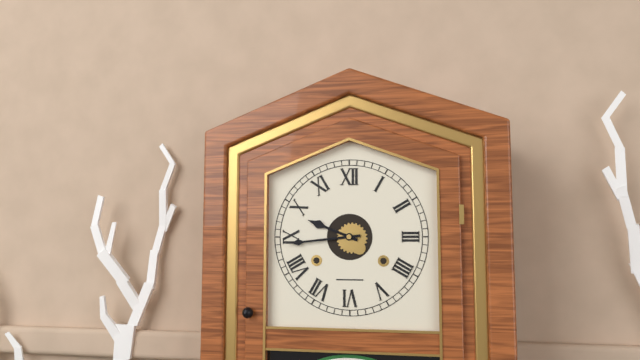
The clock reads **9:44**
